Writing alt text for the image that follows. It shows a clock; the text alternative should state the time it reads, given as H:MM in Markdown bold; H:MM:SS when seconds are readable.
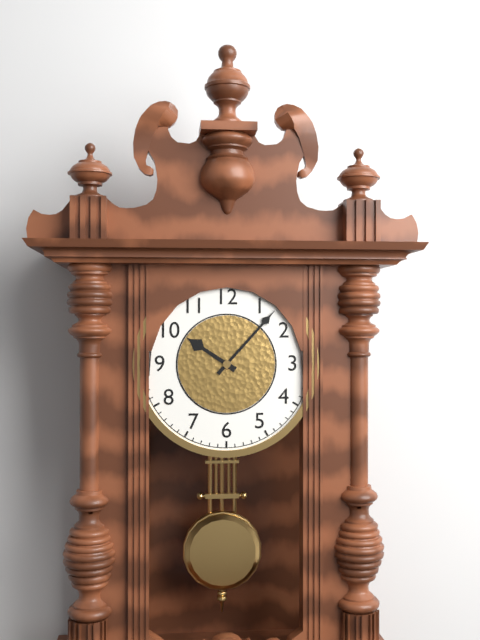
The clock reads **10:07**
